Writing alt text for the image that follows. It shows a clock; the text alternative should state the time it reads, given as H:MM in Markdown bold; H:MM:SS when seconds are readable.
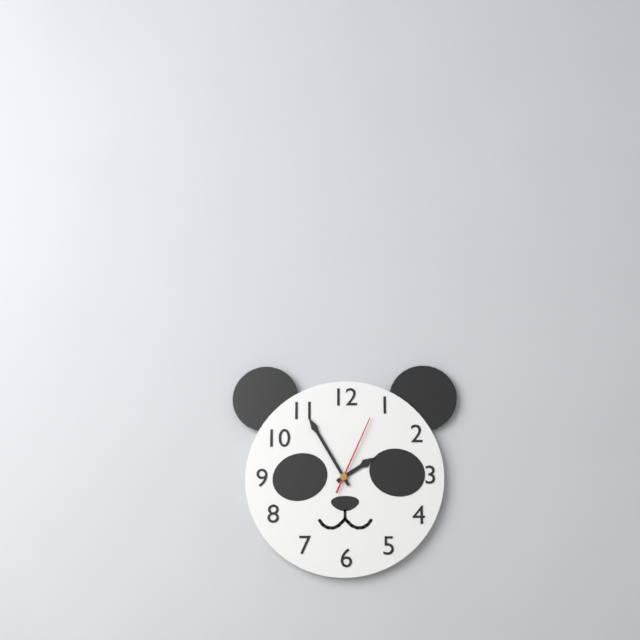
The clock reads **1:55:04**
